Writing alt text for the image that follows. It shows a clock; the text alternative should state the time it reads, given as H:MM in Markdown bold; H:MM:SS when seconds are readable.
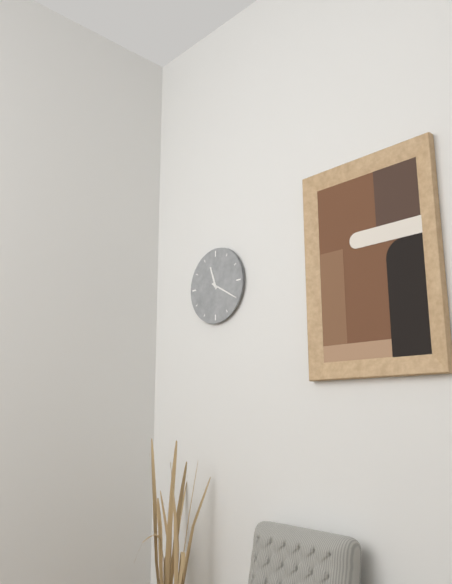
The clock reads **11:20**
